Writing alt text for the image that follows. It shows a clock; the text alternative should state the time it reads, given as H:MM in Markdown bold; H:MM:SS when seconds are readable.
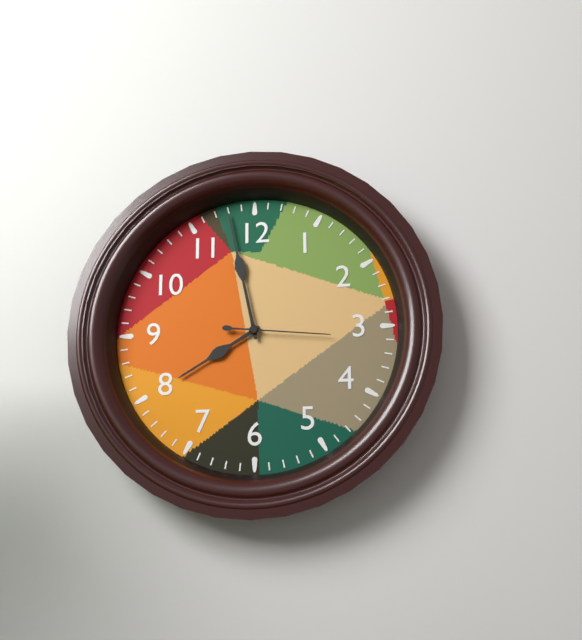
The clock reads **7:58:16**
